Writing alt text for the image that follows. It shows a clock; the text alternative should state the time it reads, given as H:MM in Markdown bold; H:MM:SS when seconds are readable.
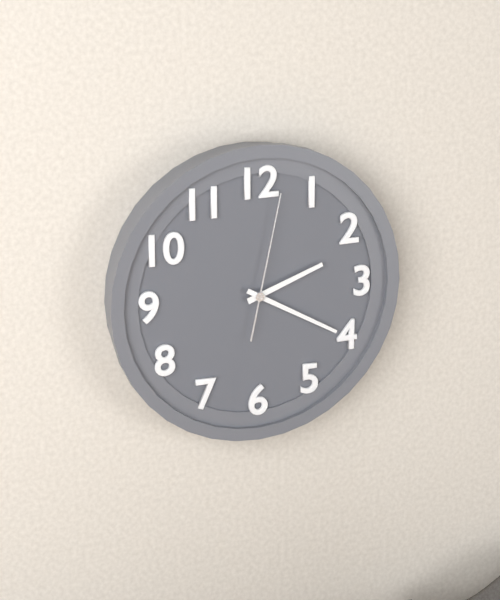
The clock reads **2:20:02**
